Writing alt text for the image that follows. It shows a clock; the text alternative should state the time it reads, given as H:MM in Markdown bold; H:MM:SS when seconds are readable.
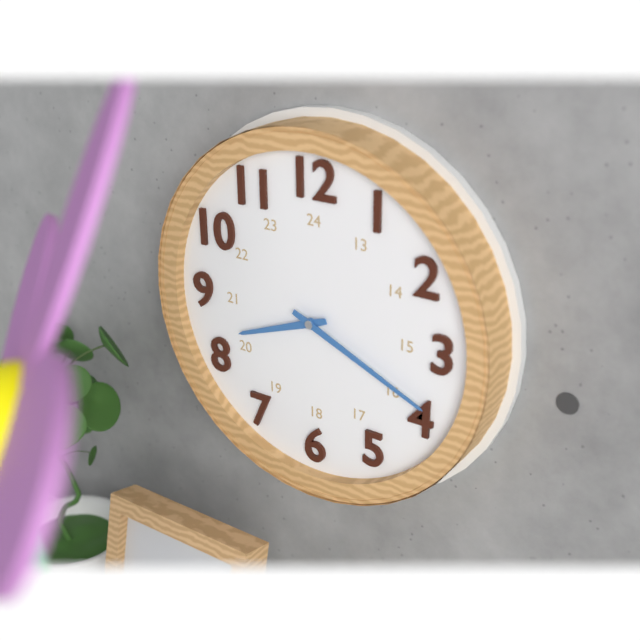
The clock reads **8:19**
